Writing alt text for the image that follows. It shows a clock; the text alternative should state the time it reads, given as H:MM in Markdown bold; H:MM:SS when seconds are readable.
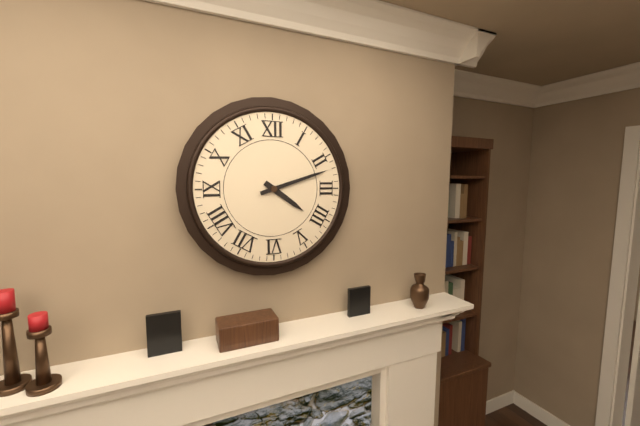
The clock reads **4:12**
